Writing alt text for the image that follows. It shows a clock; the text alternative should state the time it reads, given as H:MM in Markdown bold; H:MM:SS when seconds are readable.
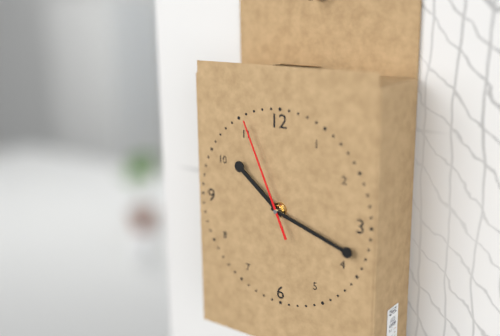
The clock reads **10:18:56**
